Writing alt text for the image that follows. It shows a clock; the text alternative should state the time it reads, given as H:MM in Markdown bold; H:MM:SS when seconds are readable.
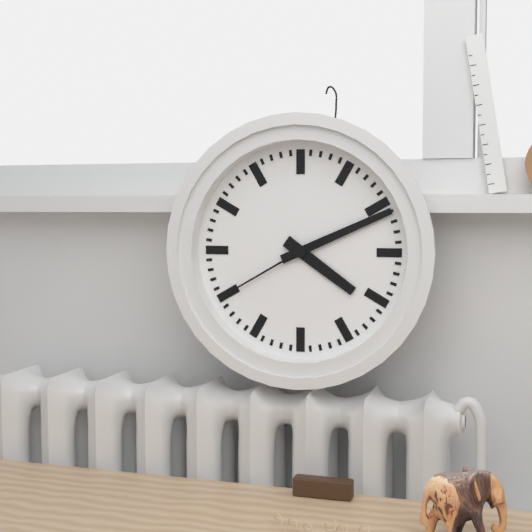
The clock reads **4:11:40**
